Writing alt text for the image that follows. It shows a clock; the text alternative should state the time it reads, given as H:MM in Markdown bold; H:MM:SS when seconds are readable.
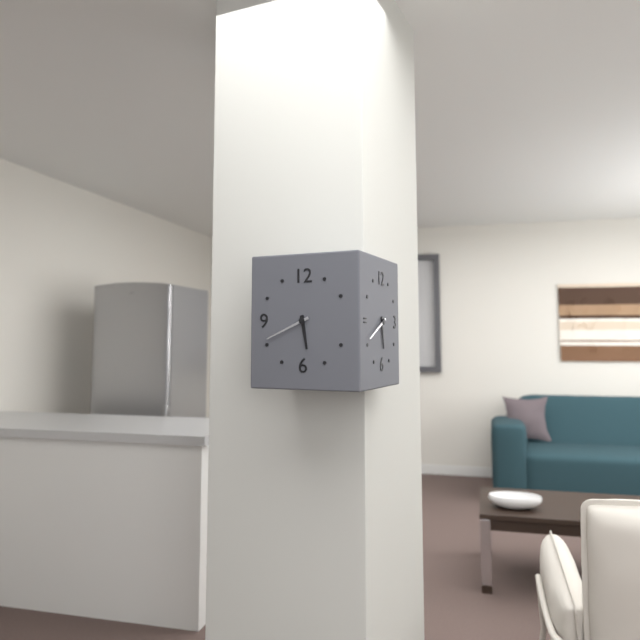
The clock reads **5:41**
